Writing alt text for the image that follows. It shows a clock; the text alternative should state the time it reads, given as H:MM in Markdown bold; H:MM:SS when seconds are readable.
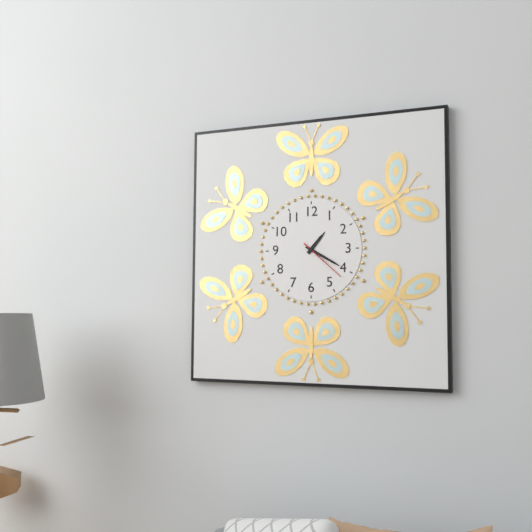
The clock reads **1:20:22**
